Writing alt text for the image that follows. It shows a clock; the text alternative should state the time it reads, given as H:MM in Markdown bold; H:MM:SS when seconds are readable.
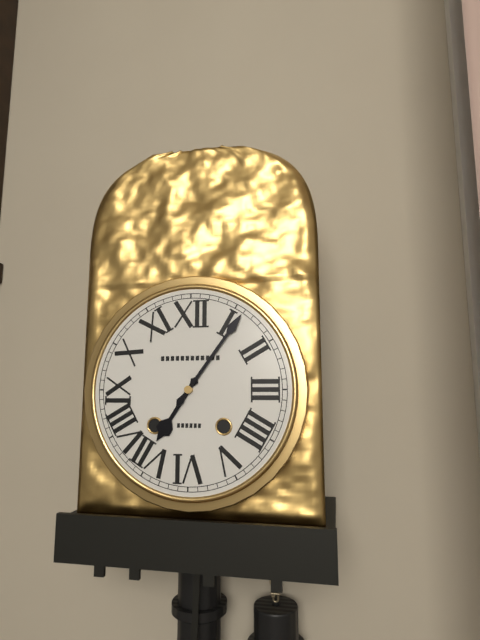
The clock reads **7:06**
